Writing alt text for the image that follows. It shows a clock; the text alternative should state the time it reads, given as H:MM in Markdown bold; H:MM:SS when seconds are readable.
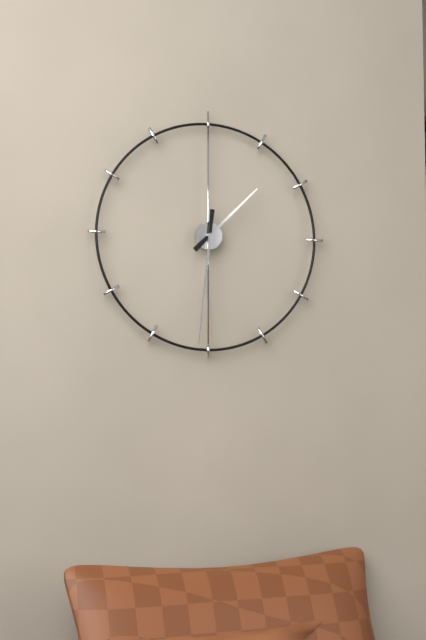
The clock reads **1:31**
